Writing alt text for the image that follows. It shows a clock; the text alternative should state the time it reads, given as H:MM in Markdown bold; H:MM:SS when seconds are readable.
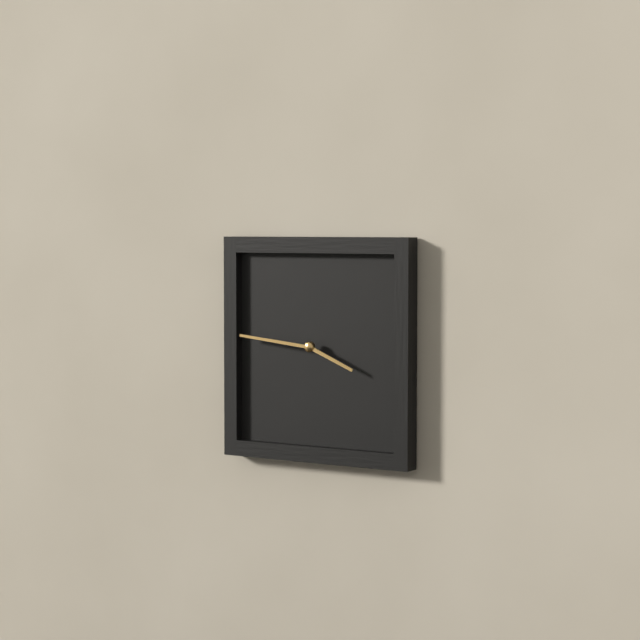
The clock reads **3:46**
